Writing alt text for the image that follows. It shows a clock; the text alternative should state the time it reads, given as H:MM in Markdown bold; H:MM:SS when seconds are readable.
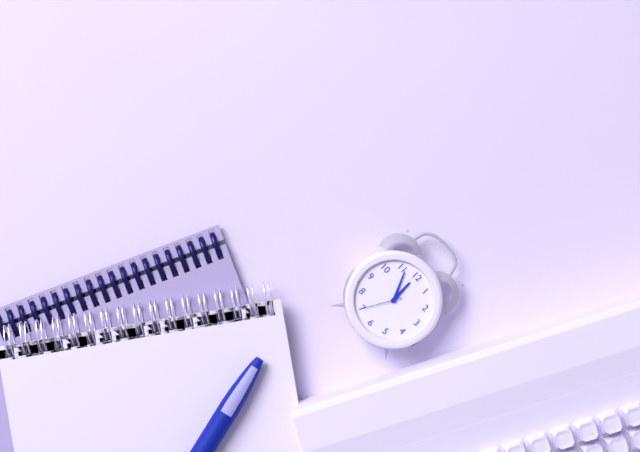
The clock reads **11:56**
